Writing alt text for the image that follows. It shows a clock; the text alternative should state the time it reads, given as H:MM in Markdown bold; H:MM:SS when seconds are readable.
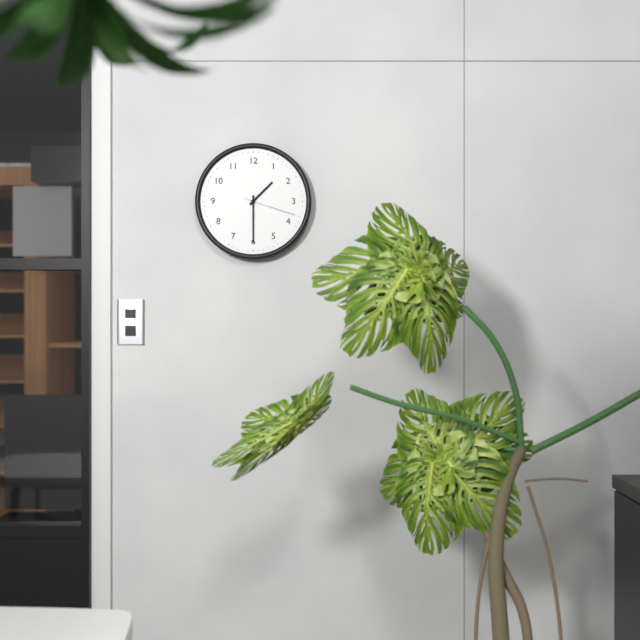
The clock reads **1:30:18**
